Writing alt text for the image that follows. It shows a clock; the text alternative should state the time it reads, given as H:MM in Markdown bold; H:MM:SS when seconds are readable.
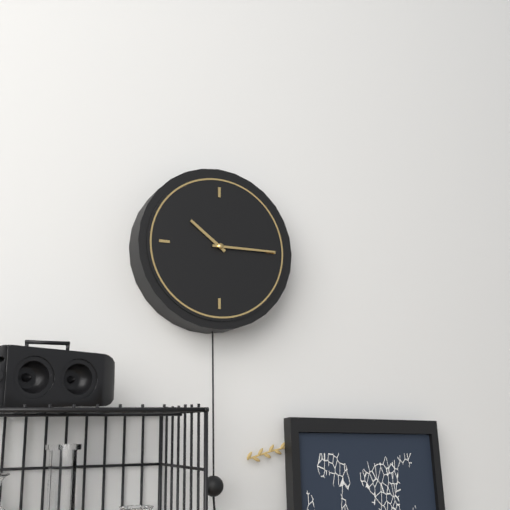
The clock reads **10:15**
